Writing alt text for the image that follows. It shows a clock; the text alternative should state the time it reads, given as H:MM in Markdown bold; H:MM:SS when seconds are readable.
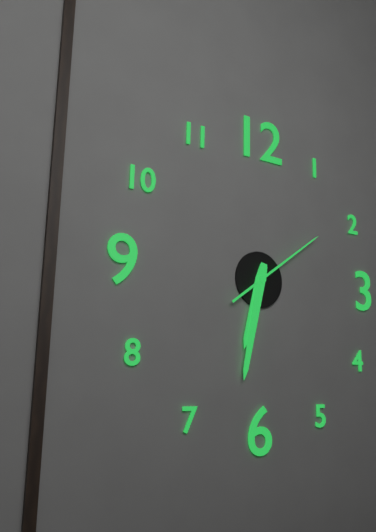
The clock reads **6:32:09**
